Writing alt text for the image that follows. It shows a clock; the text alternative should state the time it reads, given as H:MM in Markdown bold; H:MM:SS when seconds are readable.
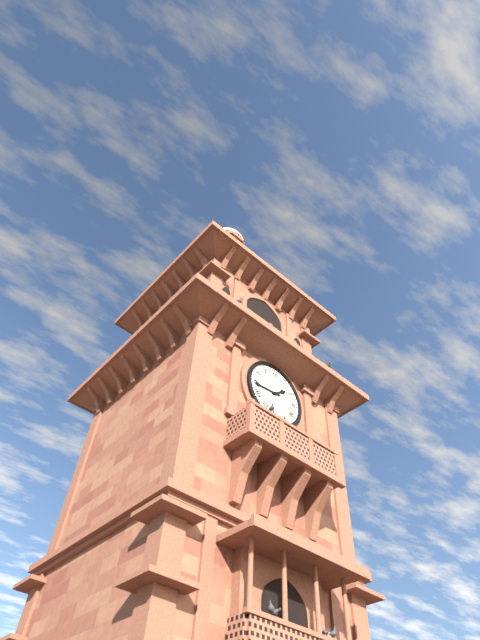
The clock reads **1:44**
